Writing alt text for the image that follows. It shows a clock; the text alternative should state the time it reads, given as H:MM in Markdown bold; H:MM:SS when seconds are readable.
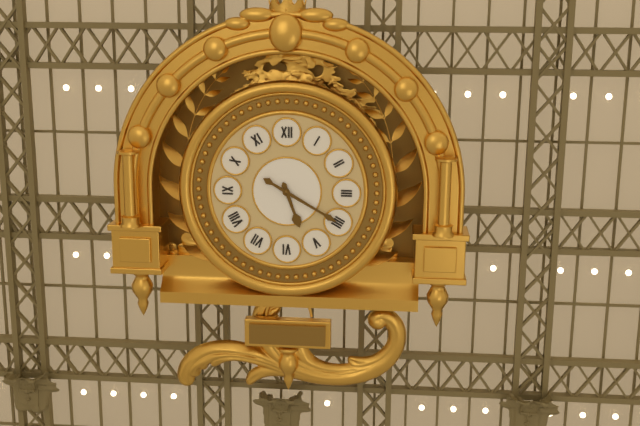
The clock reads **5:20**
